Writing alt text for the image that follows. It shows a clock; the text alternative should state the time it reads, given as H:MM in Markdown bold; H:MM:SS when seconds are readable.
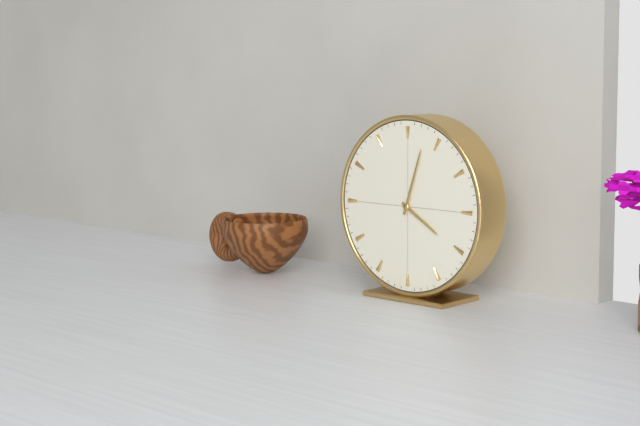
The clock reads **4:03**
